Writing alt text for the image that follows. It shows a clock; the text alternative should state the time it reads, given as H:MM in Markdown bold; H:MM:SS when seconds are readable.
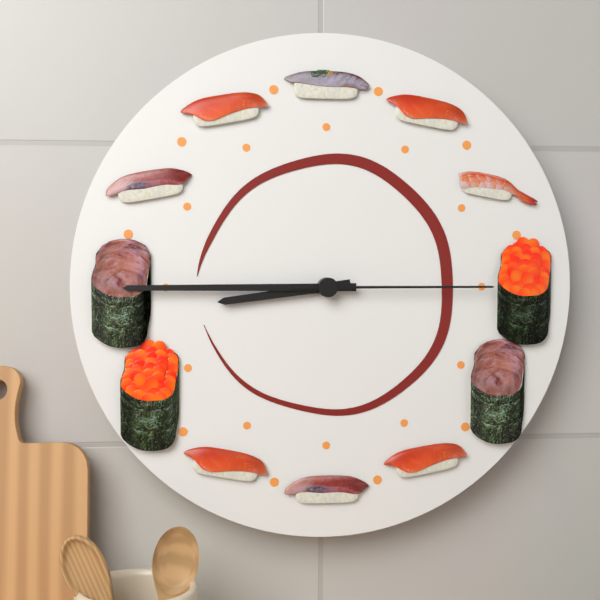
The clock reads **8:45:15**
